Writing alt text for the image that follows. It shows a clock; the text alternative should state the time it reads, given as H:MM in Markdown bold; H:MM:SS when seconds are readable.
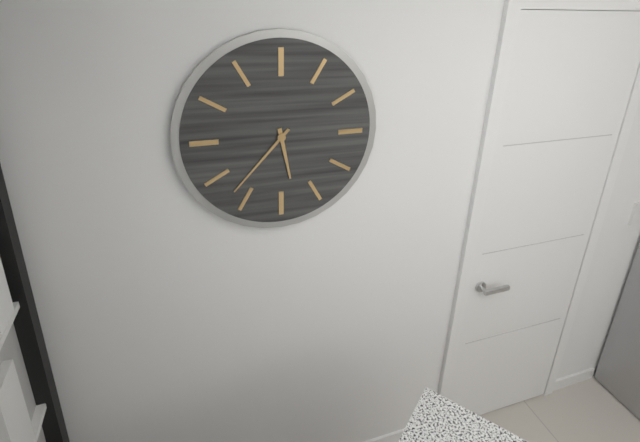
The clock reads **5:37**
